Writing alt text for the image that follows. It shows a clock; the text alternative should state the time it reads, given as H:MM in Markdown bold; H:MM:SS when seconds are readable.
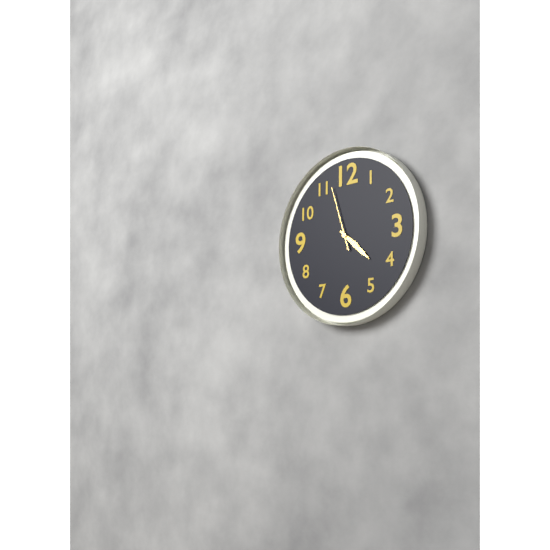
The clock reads **4:22:57**
